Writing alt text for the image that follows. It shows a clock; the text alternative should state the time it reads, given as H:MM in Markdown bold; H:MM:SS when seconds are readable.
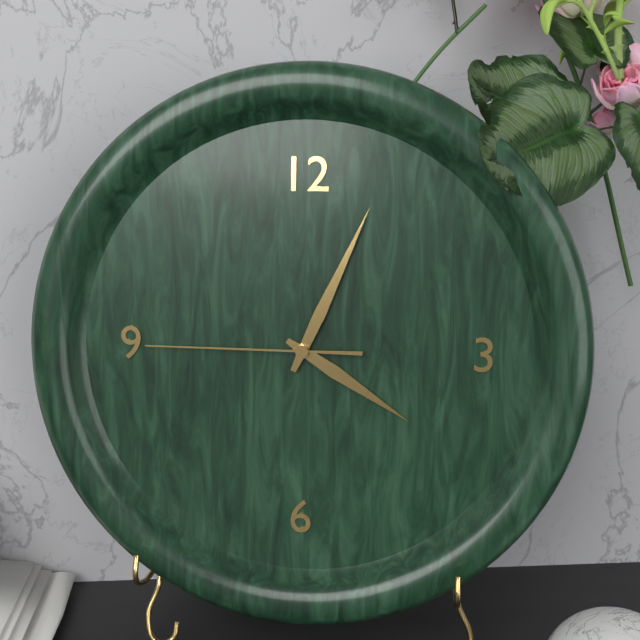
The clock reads **4:04:45**
